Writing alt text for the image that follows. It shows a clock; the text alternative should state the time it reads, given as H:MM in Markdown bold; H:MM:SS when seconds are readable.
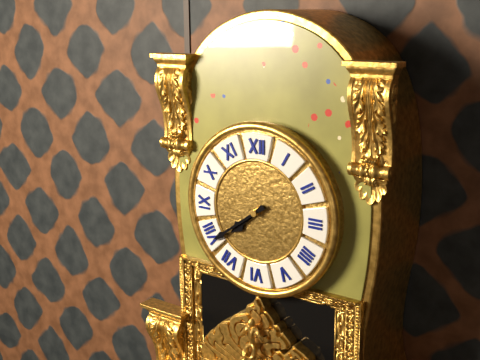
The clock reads **7:39**
